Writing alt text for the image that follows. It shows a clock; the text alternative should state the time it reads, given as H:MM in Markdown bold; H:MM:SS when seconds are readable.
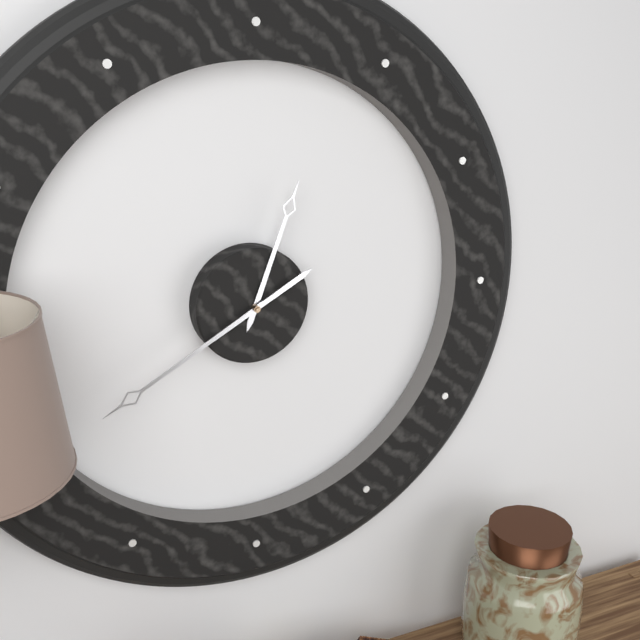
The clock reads **12:40**
